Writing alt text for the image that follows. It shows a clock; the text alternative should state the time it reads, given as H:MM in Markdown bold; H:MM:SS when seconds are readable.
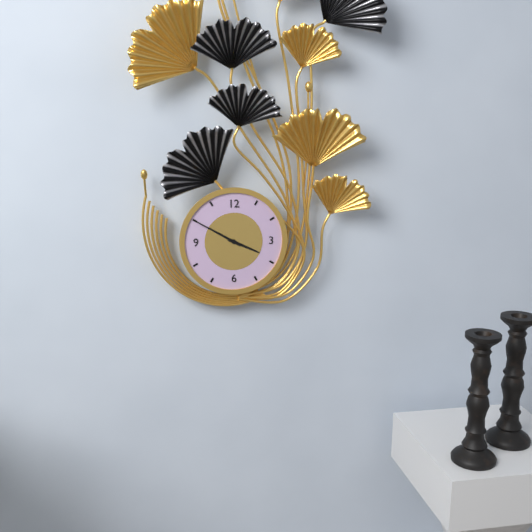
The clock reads **3:50**
